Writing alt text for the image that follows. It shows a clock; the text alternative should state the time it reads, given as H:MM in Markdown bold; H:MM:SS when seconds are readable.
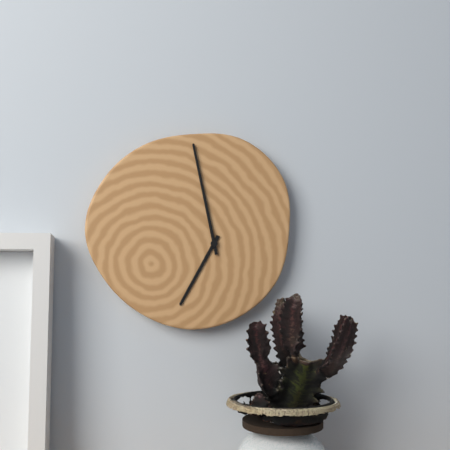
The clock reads **6:58**
